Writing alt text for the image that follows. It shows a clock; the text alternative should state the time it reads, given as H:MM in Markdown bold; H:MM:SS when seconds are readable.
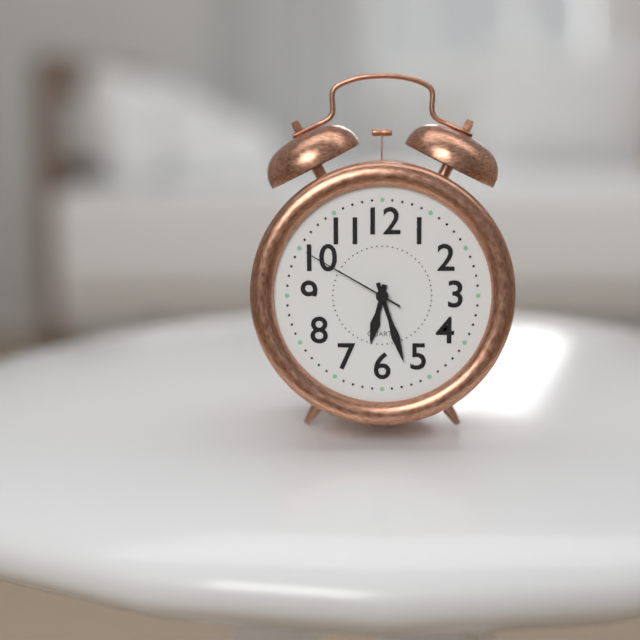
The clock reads **6:27:50**
